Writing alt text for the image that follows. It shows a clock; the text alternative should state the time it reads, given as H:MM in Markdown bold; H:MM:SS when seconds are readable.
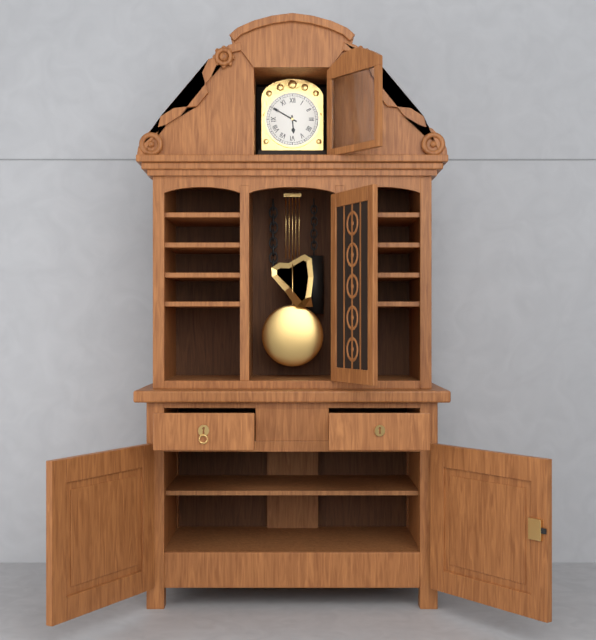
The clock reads **5:50**
